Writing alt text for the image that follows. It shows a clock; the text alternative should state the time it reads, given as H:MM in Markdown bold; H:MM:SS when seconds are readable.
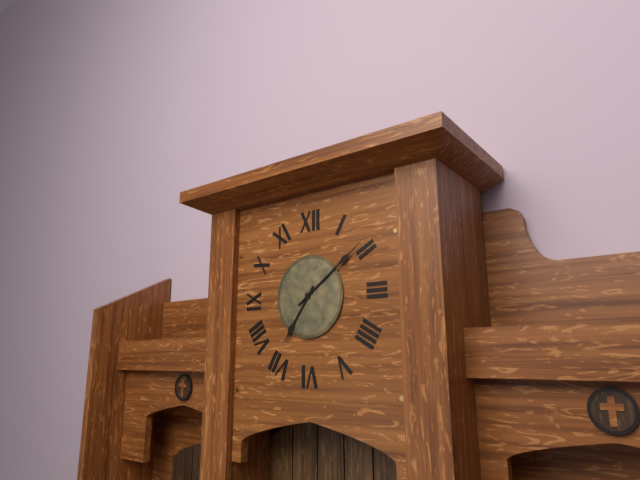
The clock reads **7:09**
